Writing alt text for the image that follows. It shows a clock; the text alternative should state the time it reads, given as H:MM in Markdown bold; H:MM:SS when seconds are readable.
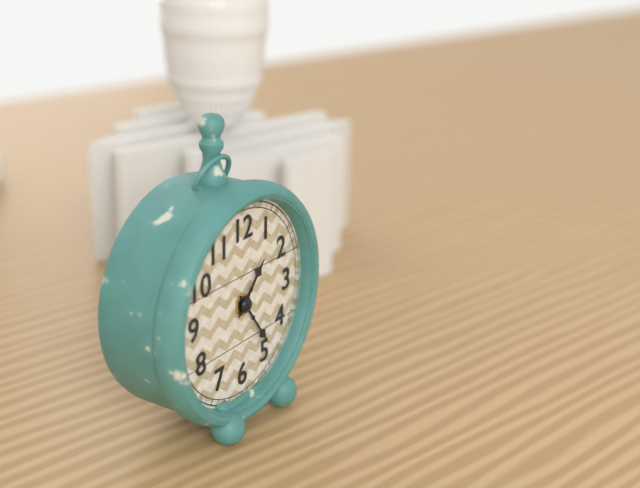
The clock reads **1:24**
